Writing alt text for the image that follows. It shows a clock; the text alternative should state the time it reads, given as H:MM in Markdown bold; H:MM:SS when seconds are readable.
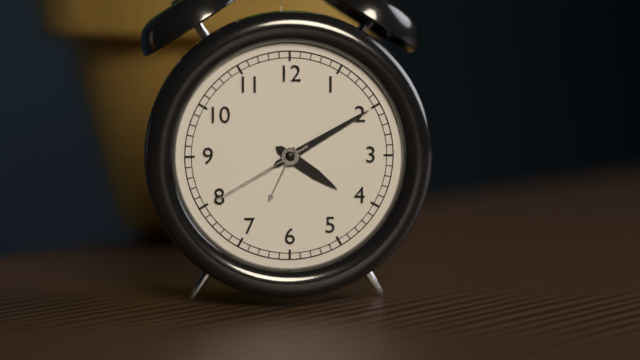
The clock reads **4:10:40**
